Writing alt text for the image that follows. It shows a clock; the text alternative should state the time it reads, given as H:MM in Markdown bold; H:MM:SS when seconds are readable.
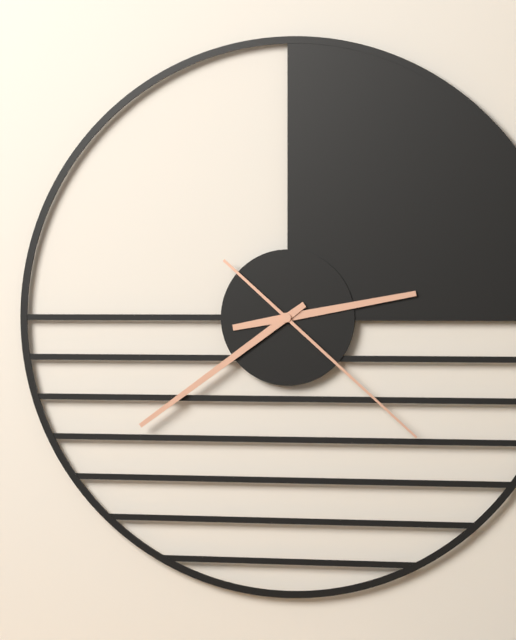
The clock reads **2:39:22**
